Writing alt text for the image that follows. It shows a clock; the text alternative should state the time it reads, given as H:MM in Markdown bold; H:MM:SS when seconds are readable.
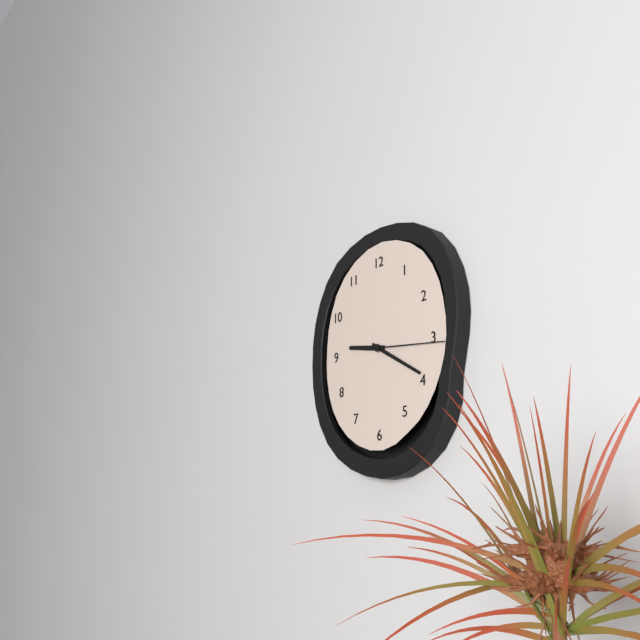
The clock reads **9:20:16**
